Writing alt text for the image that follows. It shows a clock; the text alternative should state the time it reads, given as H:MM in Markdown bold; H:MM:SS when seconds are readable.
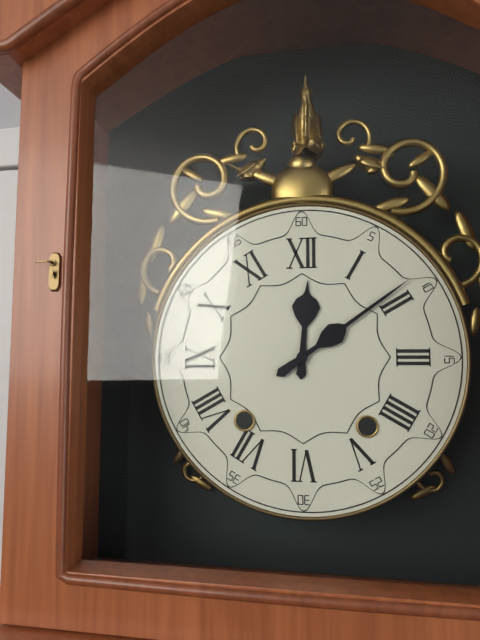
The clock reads **12:09**
